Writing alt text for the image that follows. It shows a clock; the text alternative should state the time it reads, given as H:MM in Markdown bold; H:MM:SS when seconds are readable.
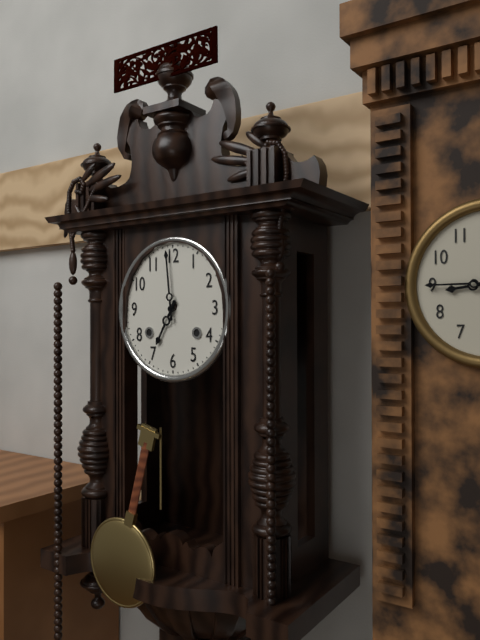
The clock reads **6:59**
